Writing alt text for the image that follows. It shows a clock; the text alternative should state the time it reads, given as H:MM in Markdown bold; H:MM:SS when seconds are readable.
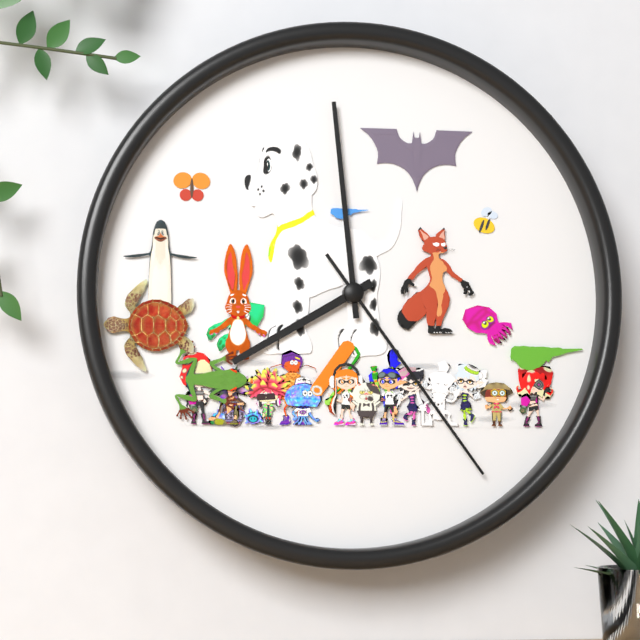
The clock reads **7:59:24**
